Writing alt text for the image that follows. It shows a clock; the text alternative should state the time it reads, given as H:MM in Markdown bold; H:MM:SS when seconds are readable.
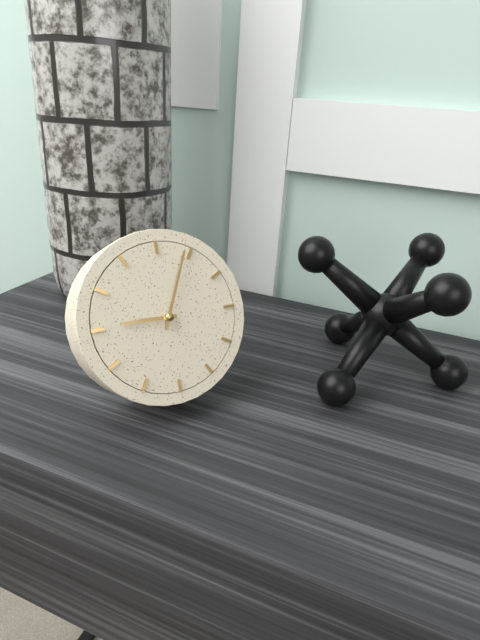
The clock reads **9:04**
